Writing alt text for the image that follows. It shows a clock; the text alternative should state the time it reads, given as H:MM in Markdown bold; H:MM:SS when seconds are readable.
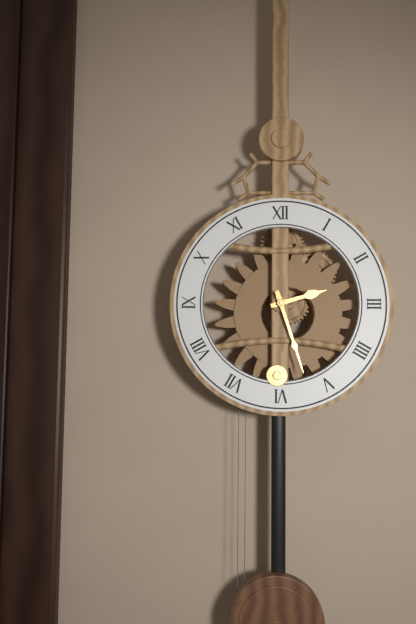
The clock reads **2:27**
